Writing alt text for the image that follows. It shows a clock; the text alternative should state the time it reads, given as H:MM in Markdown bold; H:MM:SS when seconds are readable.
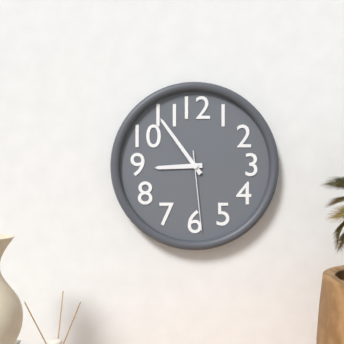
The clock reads **8:54:29**
